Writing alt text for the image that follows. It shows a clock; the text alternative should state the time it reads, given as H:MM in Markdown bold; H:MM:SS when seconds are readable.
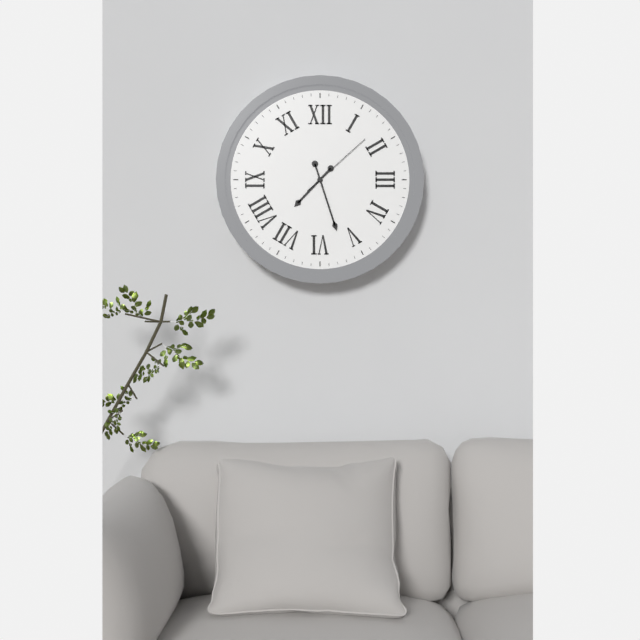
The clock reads **7:27:08**
